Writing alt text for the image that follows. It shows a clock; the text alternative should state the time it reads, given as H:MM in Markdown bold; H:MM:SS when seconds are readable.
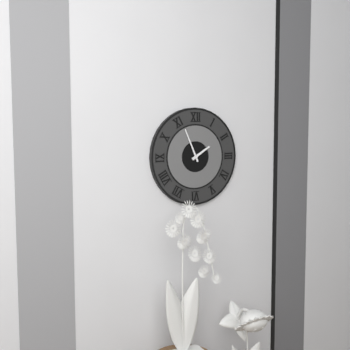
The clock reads **1:56**
